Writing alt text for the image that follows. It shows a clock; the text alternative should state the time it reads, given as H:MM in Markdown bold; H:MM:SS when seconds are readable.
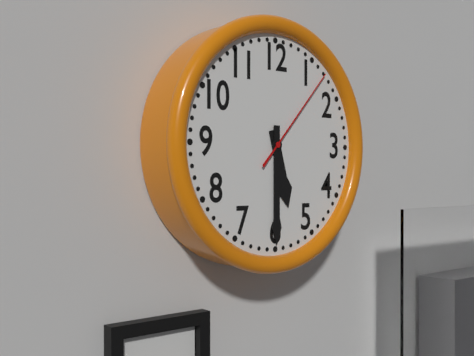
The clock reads **5:30:07**
